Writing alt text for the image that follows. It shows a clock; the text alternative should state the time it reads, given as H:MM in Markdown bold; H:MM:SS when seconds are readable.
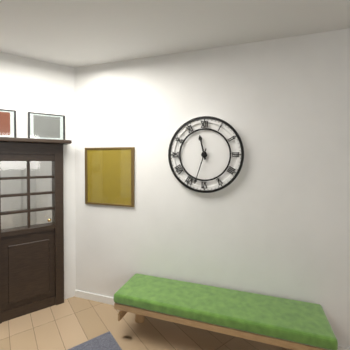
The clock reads **11:33**
